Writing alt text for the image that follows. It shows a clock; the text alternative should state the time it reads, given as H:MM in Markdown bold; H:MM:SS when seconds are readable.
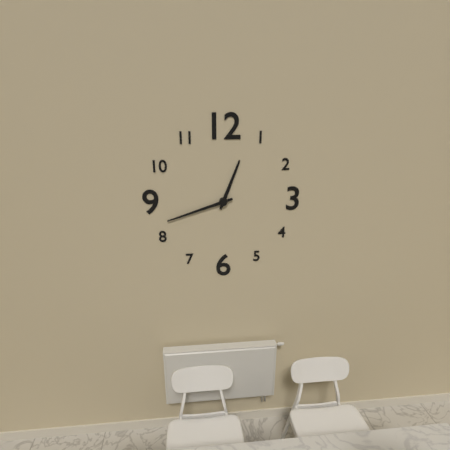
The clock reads **12:42**
